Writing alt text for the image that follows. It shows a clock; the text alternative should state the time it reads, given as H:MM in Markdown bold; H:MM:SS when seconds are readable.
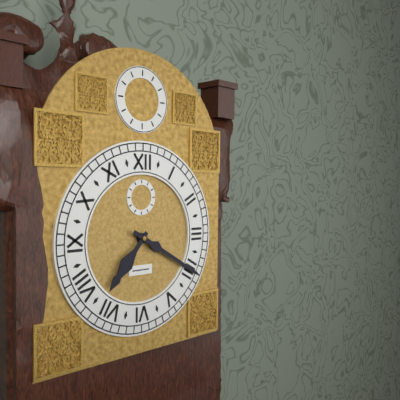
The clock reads **7:20**
